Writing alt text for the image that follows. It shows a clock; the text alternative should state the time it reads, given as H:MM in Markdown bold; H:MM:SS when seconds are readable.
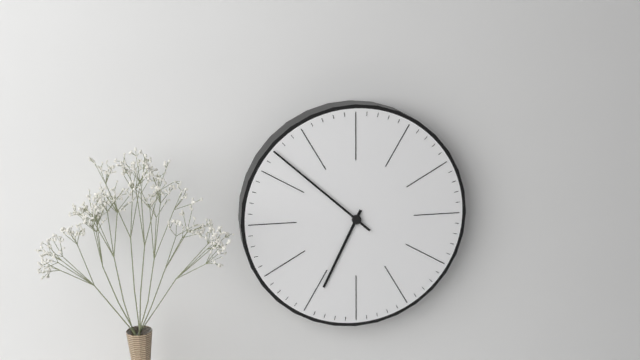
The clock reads **6:52**
